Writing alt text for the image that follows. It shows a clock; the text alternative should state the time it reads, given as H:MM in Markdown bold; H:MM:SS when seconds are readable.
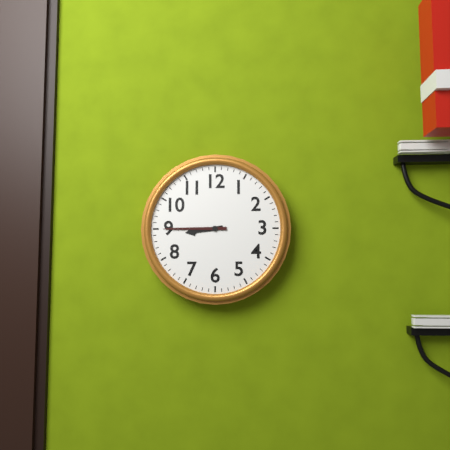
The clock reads **8:45**
